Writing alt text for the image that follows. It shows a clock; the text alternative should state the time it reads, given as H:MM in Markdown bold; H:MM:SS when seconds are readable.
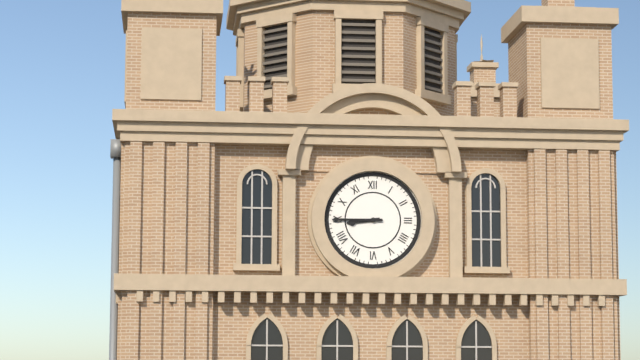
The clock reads **8:45**
